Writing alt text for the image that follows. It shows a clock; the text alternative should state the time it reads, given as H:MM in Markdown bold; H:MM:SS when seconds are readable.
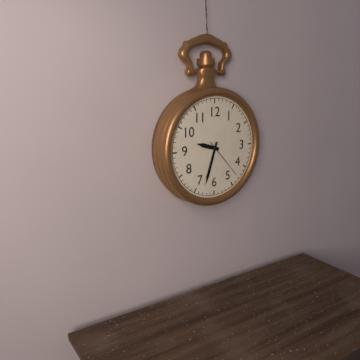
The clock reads **9:33**
